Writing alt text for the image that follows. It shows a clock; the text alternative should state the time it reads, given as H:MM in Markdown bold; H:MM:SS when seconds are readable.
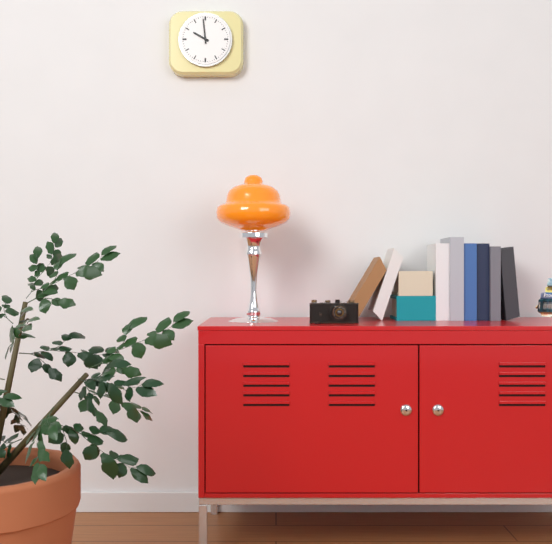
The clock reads **9:59**
